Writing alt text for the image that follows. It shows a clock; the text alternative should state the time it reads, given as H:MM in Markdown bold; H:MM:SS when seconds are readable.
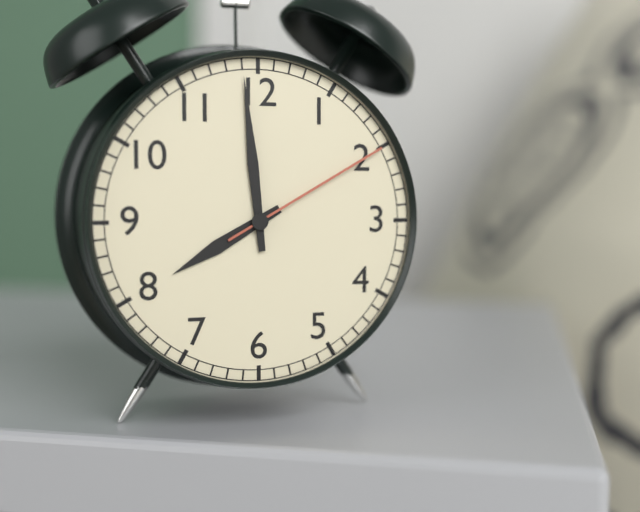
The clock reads **7:59:10**
